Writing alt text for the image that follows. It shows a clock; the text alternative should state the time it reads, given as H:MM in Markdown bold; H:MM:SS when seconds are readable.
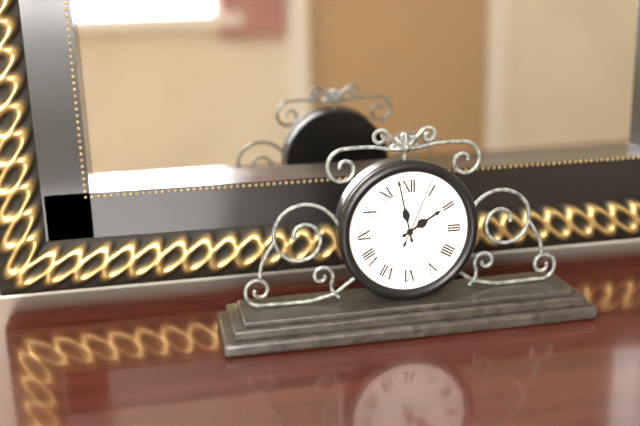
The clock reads **1:58:04**
